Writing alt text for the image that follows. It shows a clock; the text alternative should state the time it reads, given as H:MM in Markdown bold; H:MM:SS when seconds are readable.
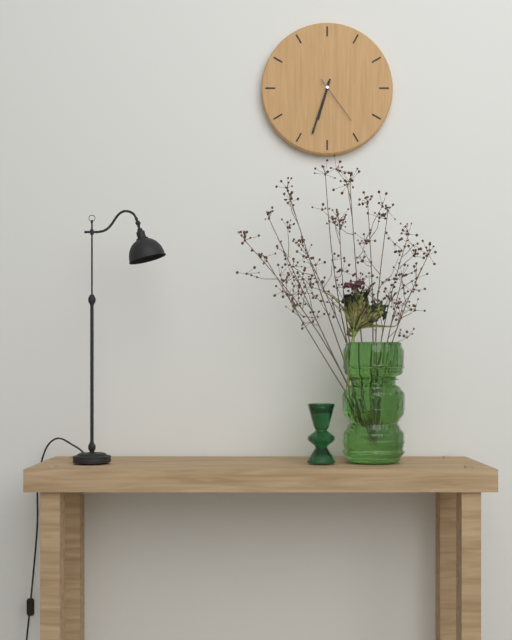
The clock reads **6:33**
